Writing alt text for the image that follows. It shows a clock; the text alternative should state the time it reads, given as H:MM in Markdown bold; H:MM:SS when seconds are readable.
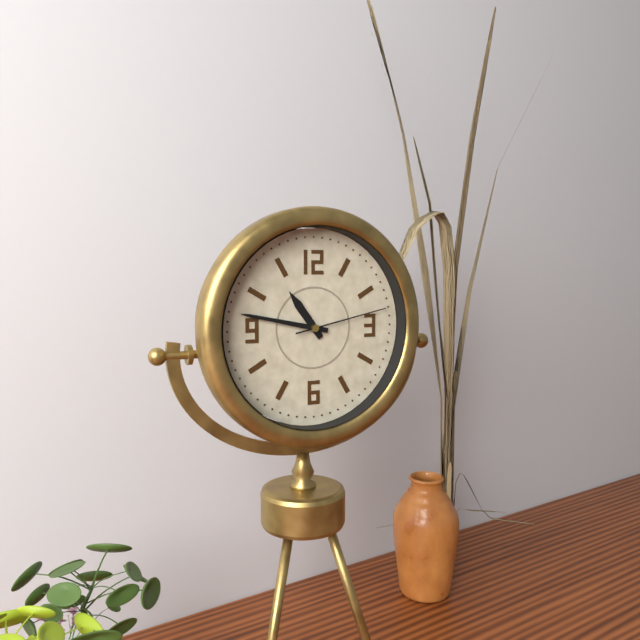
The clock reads **10:47:13**
